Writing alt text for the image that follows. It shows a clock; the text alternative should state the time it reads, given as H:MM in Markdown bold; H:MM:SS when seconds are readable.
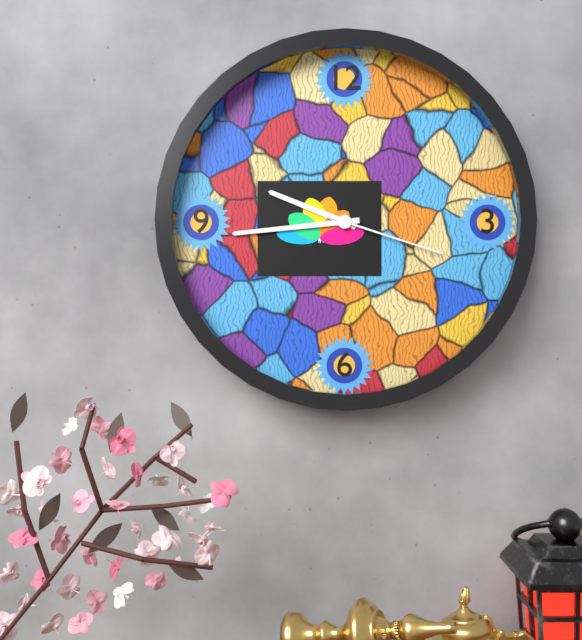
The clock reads **9:44:18**
